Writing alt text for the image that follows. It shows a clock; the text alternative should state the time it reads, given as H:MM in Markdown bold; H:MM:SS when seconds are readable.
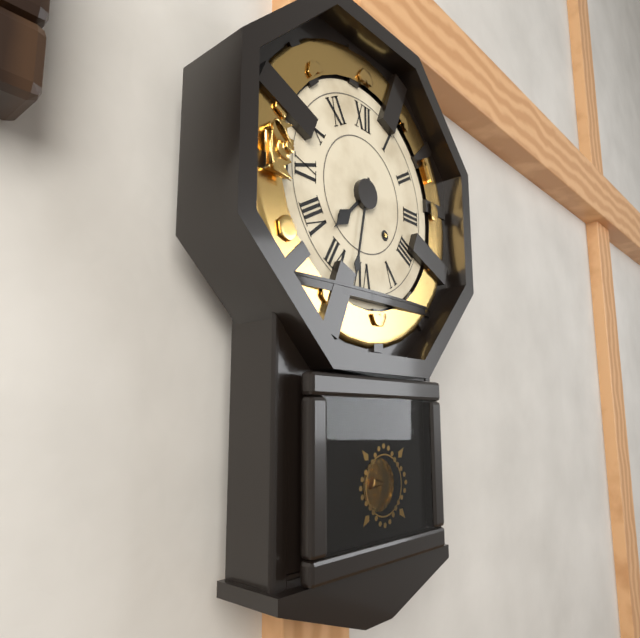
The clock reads **7:32**
